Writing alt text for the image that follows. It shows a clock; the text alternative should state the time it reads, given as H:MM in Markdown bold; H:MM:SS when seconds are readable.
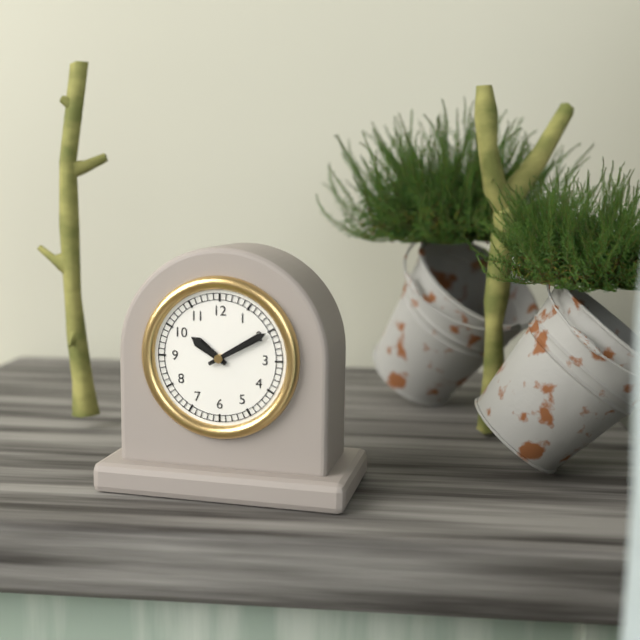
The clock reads **10:10**
